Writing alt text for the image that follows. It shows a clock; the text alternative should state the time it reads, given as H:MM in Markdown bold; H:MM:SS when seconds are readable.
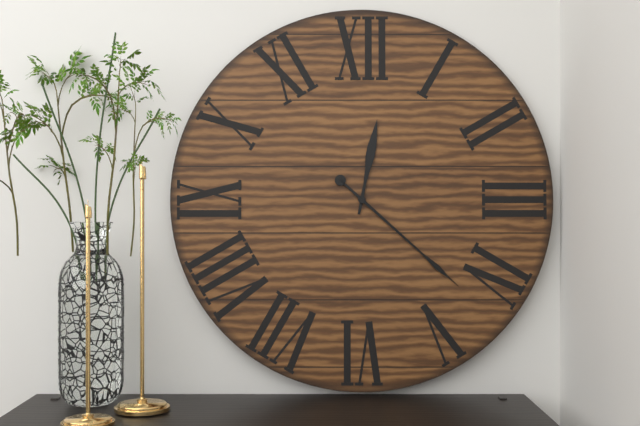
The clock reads **12:22**
